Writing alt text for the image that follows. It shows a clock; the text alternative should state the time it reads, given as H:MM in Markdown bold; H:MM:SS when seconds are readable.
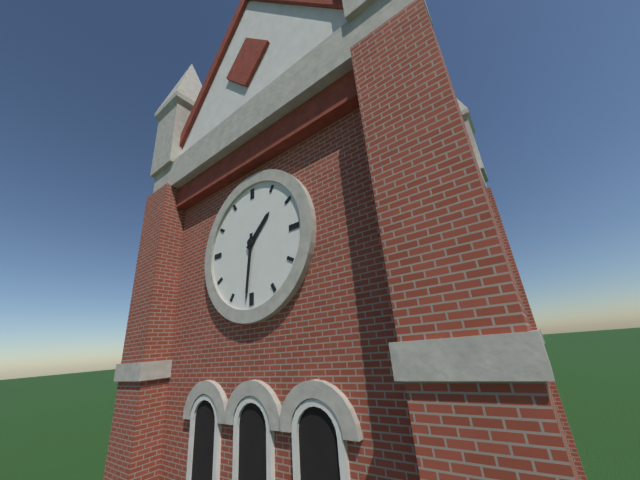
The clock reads **1:31**
